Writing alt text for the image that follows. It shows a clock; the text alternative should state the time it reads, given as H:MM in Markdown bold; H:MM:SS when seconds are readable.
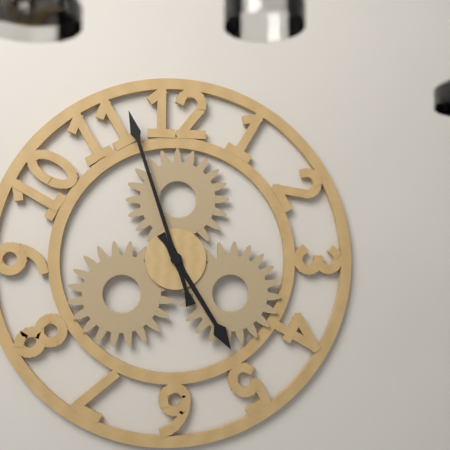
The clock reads **4:57**
